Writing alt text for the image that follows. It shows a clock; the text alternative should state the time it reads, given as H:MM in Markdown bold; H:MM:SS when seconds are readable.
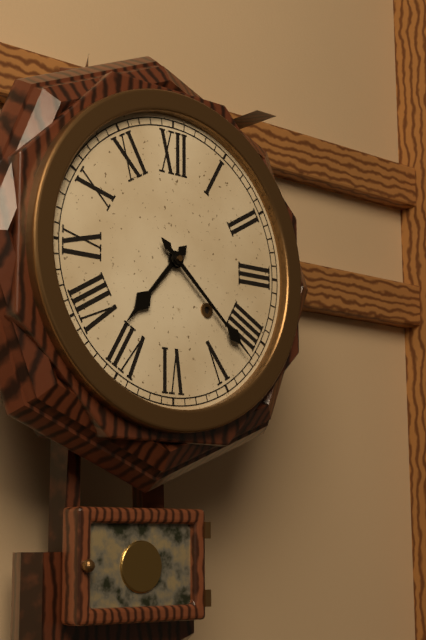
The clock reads **7:22**
